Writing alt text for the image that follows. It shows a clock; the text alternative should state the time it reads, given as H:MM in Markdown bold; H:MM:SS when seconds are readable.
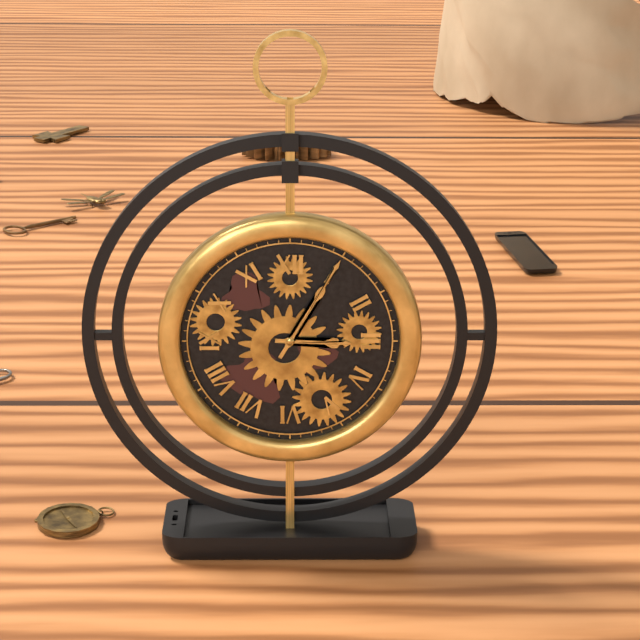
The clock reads **3:05**
